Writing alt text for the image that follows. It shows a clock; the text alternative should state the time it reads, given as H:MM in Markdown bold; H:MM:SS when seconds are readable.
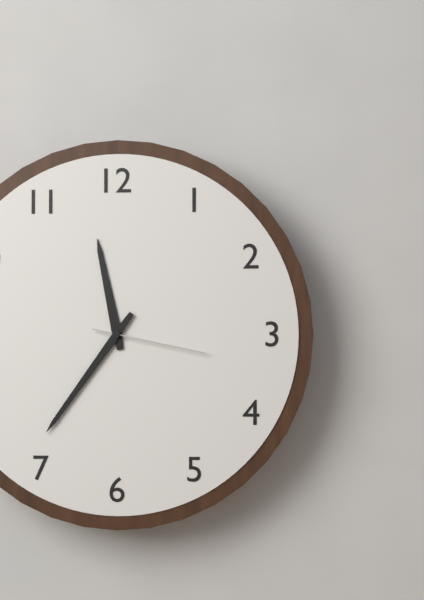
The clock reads **11:36:17**
